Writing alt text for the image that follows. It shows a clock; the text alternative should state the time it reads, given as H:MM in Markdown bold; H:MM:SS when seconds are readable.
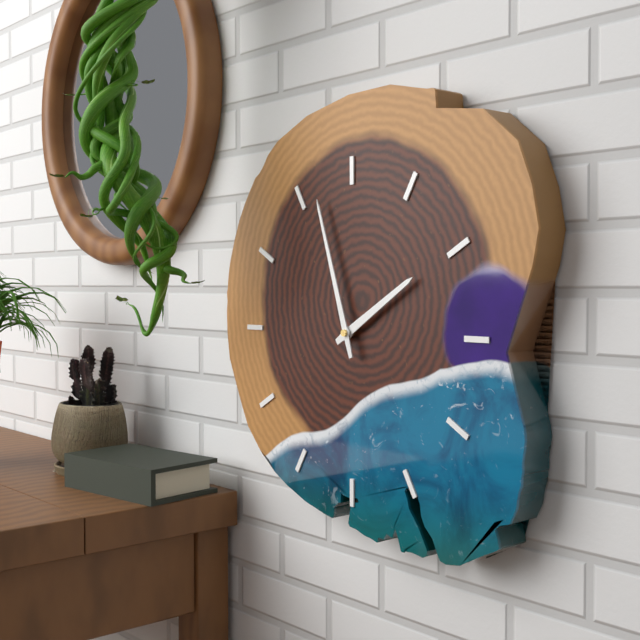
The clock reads **1:57**
